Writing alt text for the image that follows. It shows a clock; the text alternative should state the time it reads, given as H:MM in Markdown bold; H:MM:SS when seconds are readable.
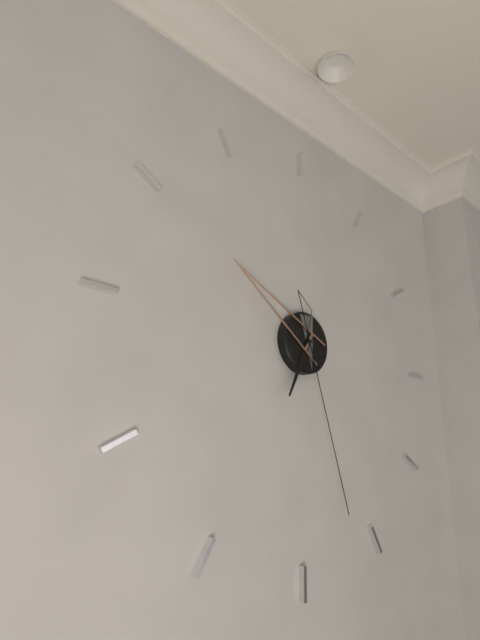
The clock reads **6:50:27**
